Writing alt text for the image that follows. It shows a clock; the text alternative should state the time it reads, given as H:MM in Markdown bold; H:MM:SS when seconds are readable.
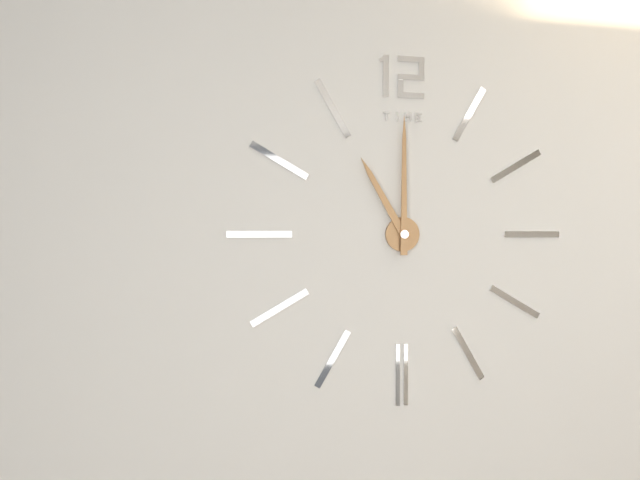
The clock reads **11:00**
